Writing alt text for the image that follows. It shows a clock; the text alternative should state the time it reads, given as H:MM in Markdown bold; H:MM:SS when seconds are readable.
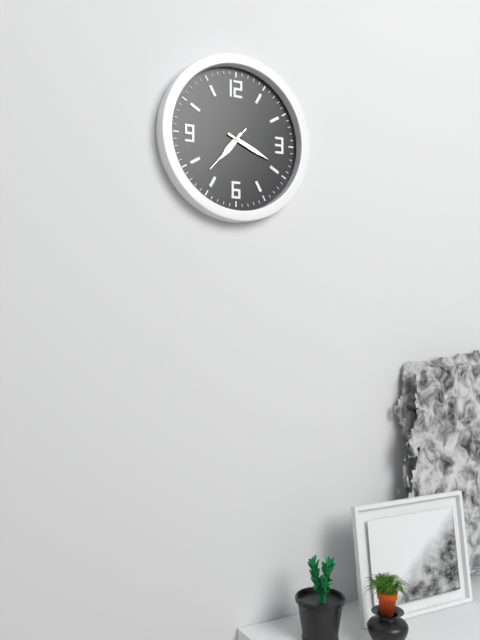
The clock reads **7:19:37**
